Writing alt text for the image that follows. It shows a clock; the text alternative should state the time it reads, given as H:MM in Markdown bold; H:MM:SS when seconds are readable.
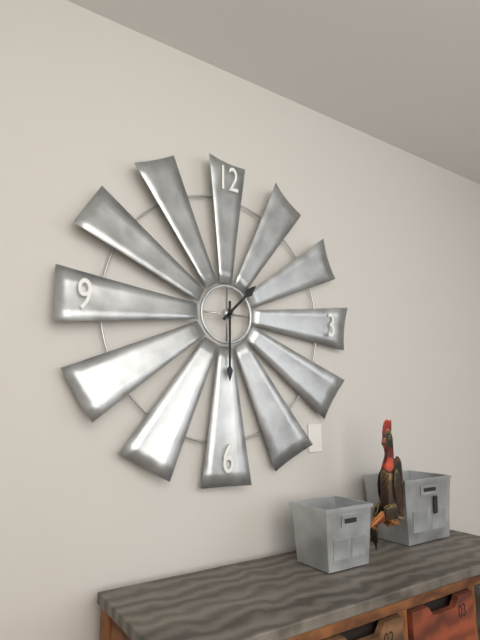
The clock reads **1:30**
